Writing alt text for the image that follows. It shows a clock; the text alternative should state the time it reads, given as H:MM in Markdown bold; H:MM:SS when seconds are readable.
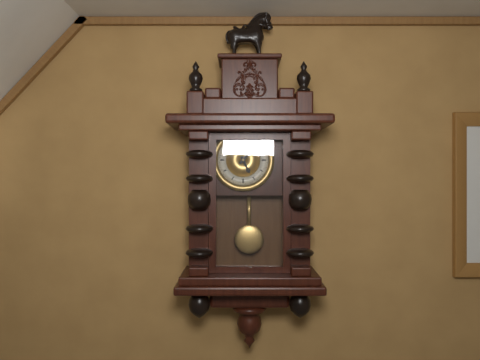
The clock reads **5:07**
